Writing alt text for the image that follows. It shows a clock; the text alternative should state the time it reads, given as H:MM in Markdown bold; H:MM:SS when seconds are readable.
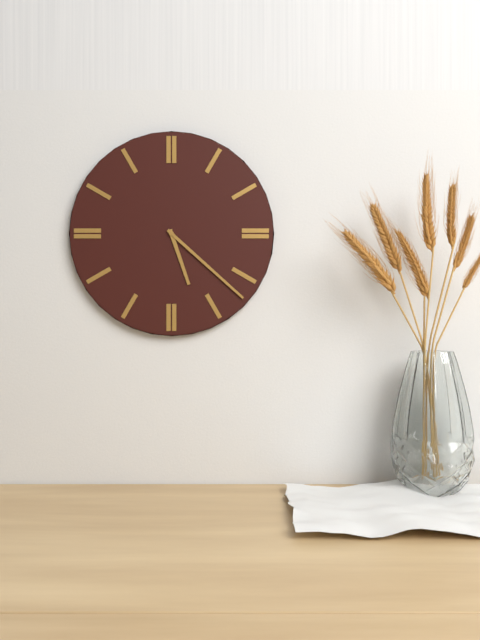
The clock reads **5:22**
